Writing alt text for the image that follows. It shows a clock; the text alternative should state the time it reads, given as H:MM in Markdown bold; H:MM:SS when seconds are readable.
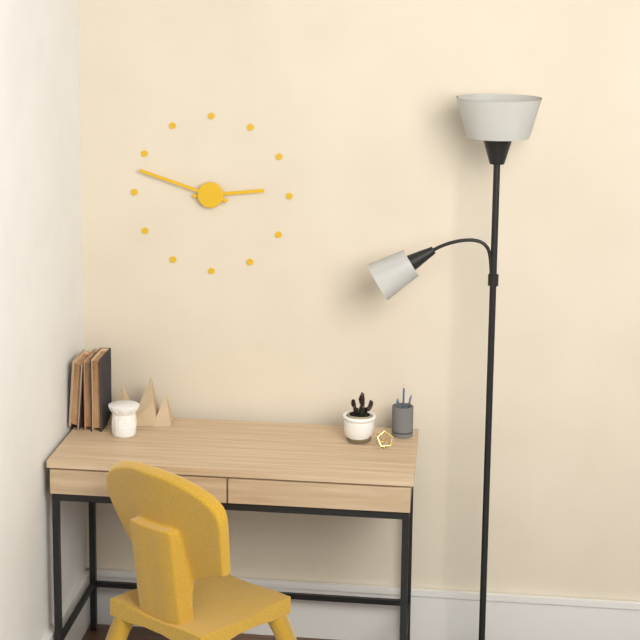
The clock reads **2:48**
